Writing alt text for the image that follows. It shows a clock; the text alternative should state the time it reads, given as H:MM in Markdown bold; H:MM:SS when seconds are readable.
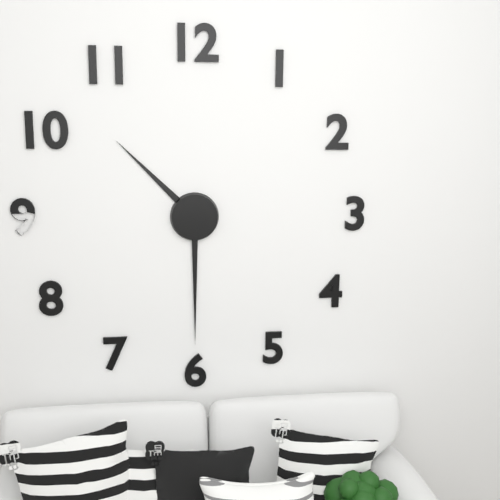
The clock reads **10:30**
